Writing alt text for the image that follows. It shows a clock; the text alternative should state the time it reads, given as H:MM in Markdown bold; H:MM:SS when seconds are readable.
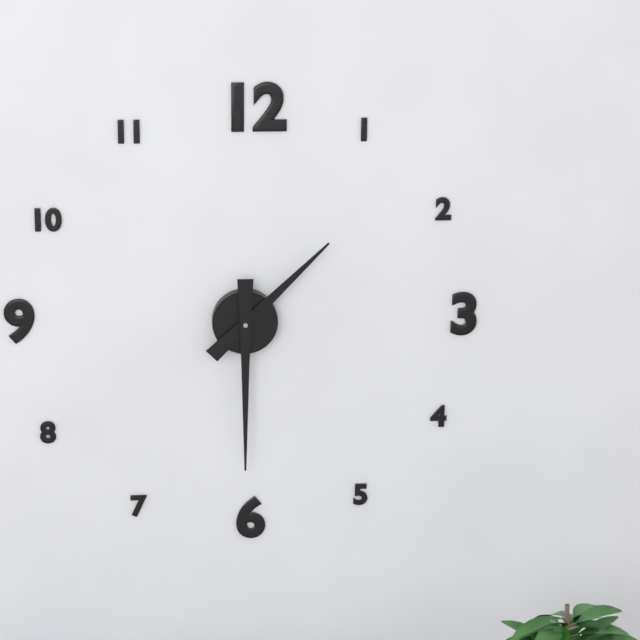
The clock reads **1:30**
